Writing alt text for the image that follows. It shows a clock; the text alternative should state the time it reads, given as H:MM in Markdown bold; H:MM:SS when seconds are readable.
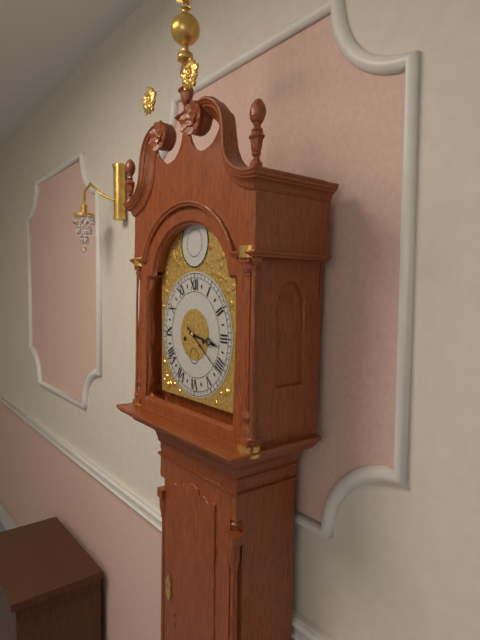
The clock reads **3:21**
